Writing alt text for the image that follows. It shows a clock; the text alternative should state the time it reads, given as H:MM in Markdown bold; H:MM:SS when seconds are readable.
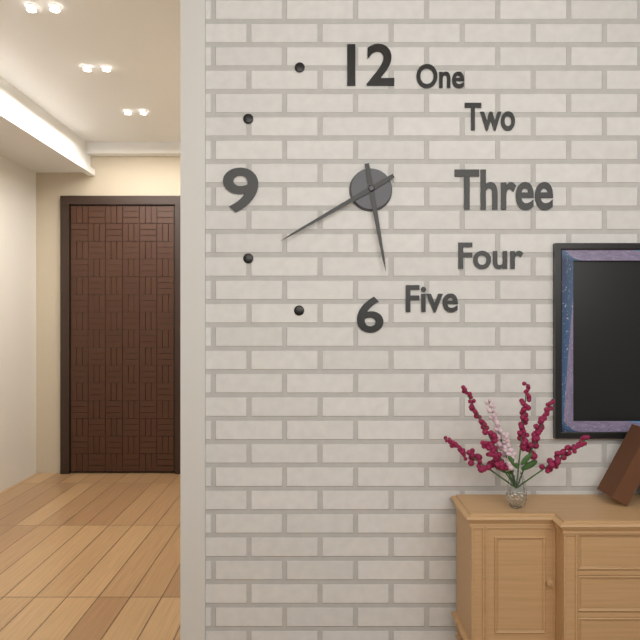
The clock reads **5:40**
